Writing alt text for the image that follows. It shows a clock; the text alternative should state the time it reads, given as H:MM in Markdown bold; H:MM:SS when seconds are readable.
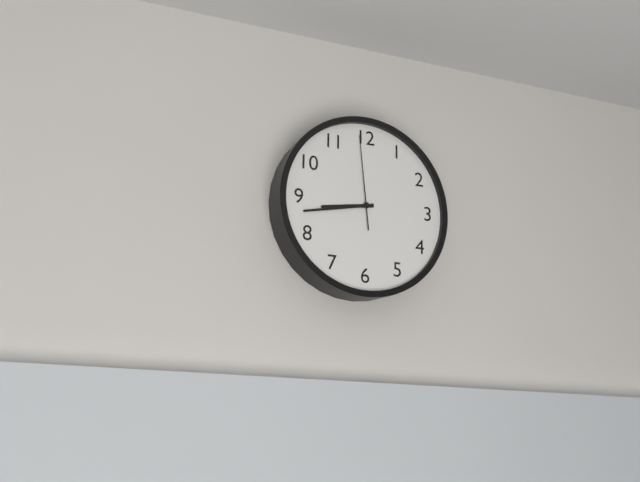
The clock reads **8:43:59**
